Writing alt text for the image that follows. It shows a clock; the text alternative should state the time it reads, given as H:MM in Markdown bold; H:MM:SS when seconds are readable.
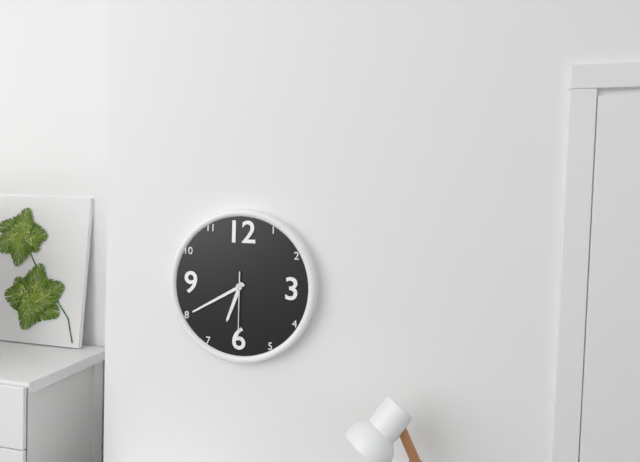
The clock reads **6:40:30**
